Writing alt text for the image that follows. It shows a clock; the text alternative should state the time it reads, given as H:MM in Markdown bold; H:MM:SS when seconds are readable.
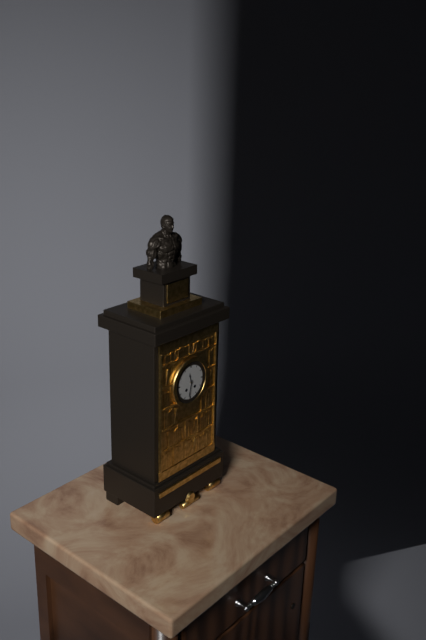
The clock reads **11:32**
